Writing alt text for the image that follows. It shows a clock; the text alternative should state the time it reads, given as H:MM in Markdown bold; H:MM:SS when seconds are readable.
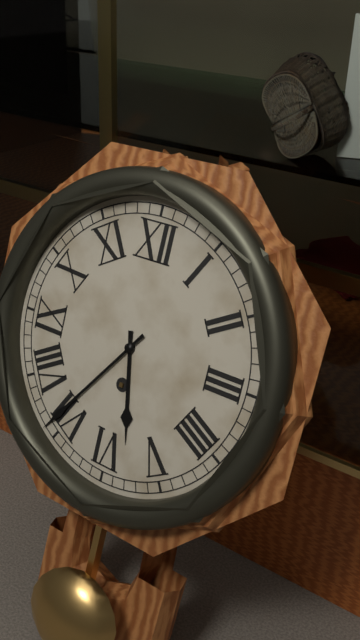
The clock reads **5:36**
